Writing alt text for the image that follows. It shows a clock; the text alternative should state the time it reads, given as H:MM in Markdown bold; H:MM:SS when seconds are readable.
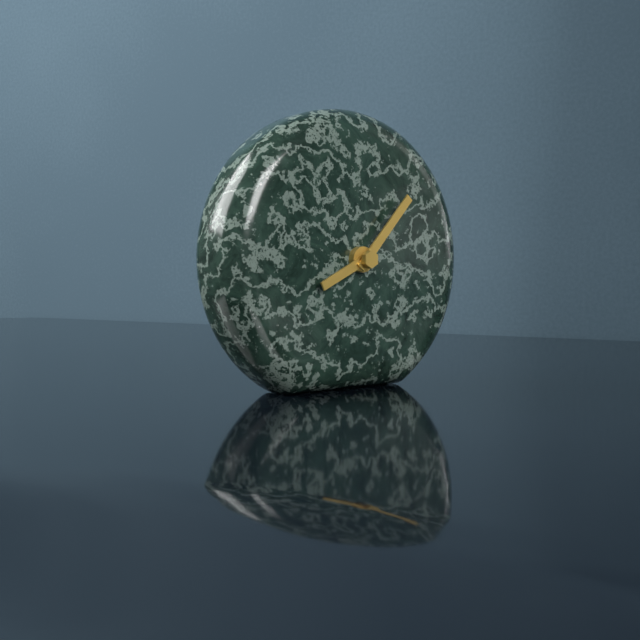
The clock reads **8:07**
